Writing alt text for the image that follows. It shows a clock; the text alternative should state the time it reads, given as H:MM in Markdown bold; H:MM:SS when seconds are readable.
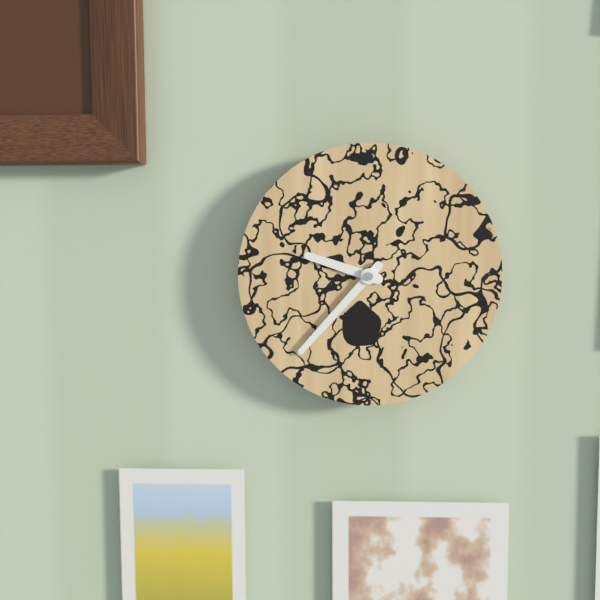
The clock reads **9:37**
